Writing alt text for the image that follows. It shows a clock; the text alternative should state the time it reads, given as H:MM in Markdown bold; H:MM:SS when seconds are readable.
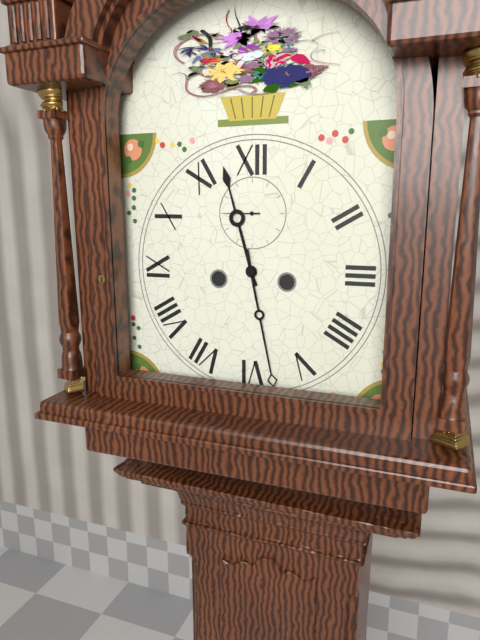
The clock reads **11:28**
